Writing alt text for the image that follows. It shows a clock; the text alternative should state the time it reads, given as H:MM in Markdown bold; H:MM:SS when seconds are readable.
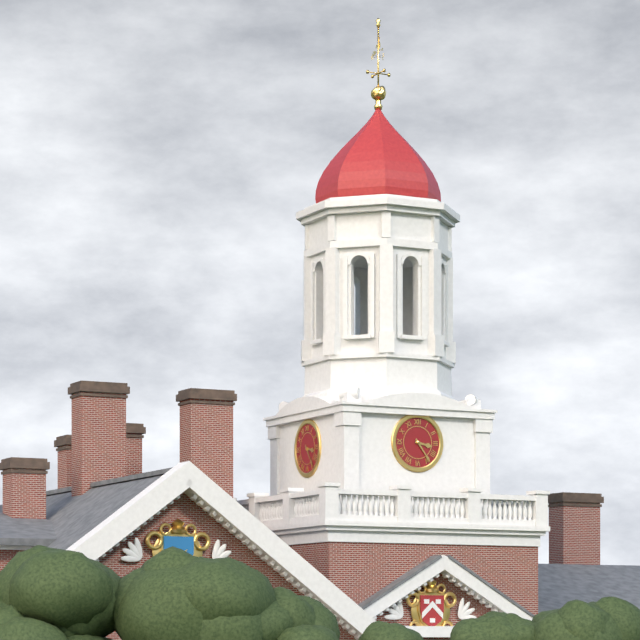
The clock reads **3:24**
